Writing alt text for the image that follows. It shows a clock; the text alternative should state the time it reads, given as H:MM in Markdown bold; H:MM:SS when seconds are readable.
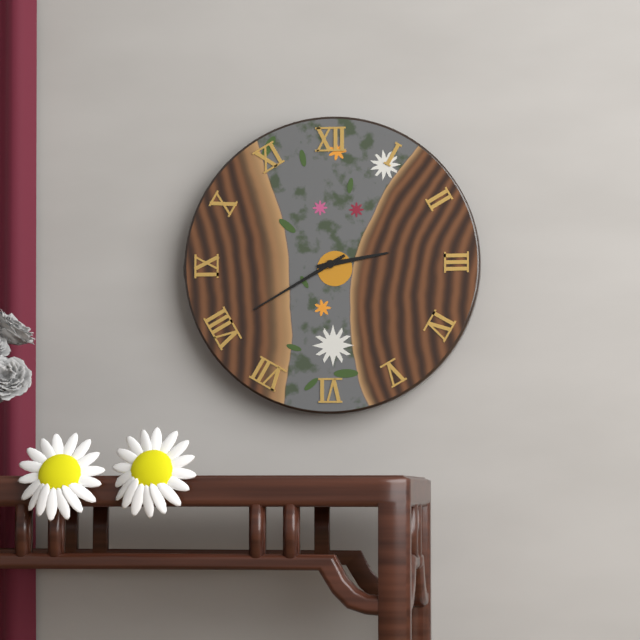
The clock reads **2:40**
